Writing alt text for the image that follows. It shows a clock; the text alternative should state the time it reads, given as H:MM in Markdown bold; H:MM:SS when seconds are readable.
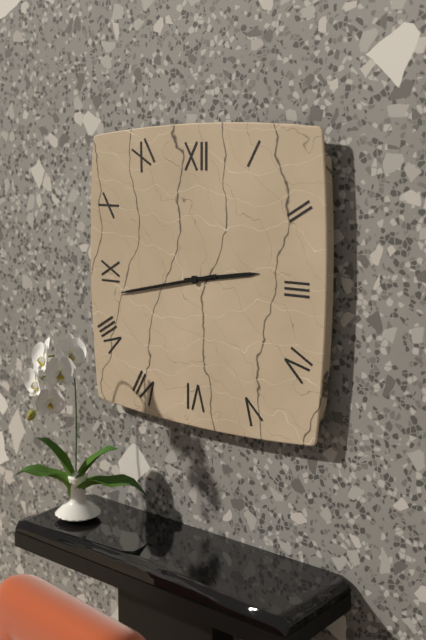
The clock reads **2:43**
